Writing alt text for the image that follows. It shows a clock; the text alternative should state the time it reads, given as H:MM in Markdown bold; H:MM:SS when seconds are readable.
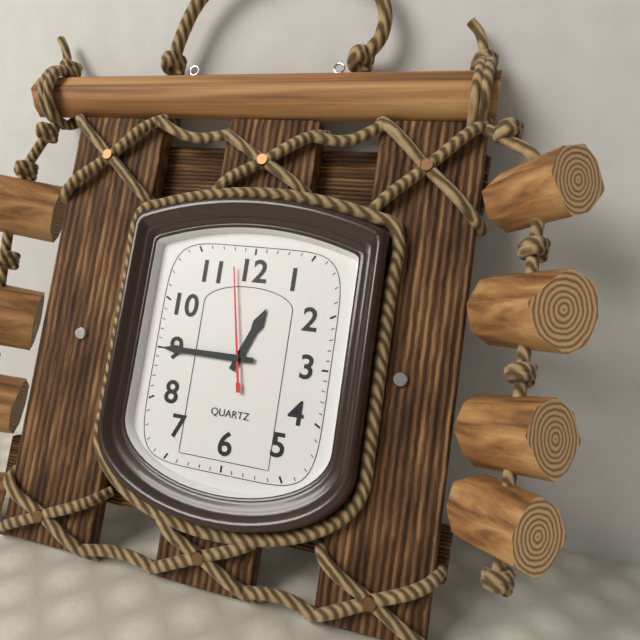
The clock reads **12:45:58**
